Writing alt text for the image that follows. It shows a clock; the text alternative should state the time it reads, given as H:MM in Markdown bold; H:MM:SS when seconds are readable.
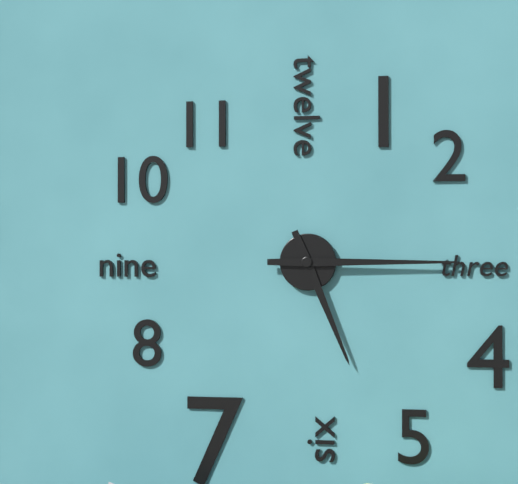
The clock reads **5:15**
